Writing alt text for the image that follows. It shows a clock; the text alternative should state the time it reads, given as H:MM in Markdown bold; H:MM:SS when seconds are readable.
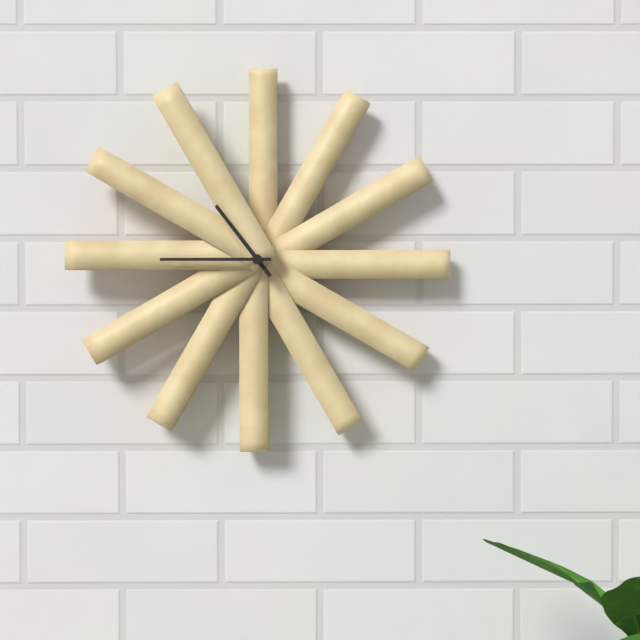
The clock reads **10:45**
